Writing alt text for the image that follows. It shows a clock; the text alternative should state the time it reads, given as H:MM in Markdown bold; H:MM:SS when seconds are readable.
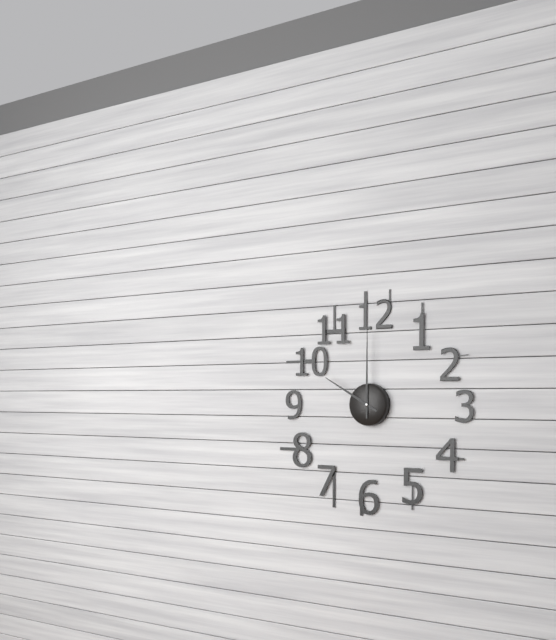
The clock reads **10:00**
